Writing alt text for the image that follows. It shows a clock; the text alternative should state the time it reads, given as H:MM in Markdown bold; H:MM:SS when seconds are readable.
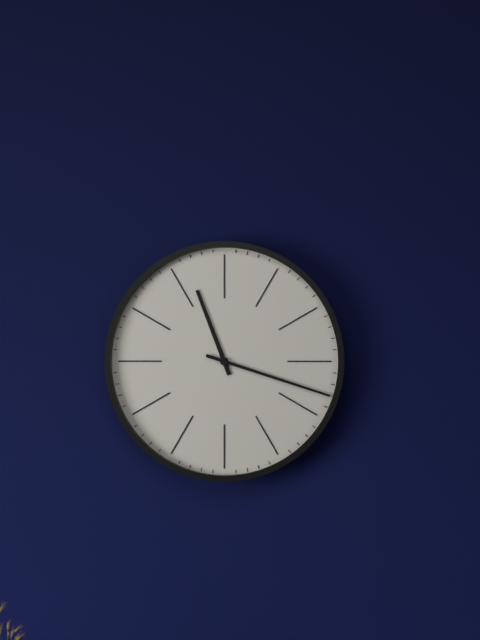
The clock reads **11:18**
